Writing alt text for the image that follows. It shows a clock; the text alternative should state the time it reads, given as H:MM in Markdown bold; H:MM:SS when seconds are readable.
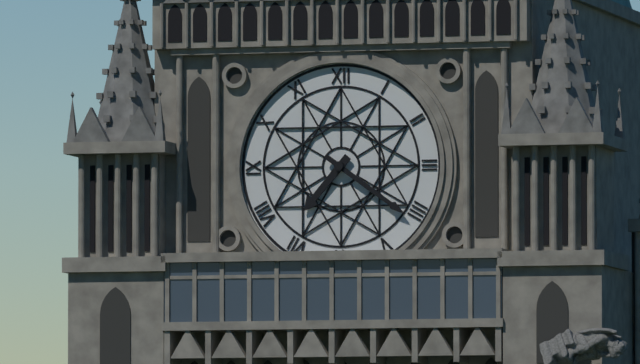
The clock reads **7:21**
